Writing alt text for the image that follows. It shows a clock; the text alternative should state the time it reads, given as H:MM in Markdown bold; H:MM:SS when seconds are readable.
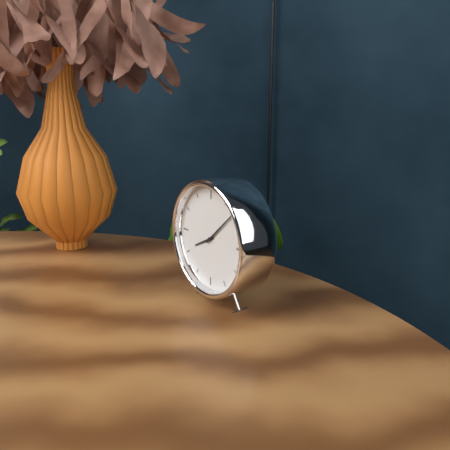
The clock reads **8:08**
